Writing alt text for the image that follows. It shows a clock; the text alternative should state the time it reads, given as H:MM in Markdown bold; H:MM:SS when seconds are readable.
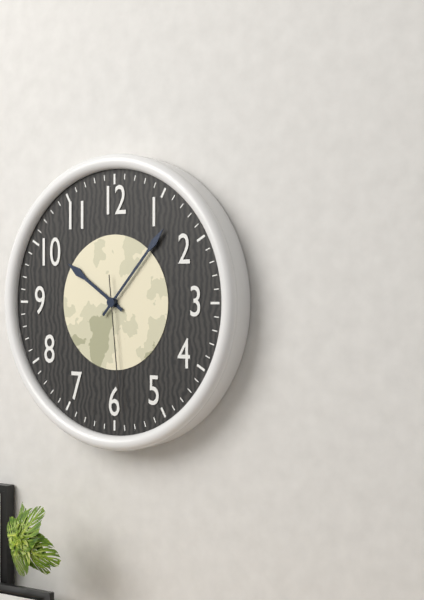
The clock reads **10:07:29**
